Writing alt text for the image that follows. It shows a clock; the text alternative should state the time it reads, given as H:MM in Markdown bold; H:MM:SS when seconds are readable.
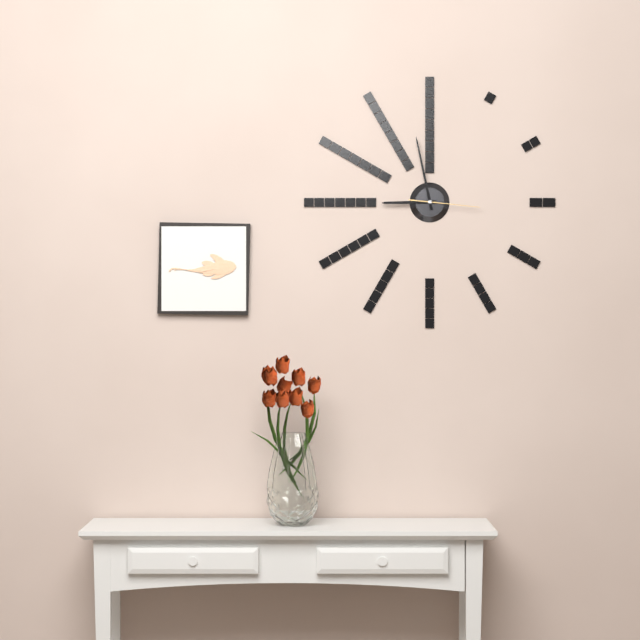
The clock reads **8:58:16**
